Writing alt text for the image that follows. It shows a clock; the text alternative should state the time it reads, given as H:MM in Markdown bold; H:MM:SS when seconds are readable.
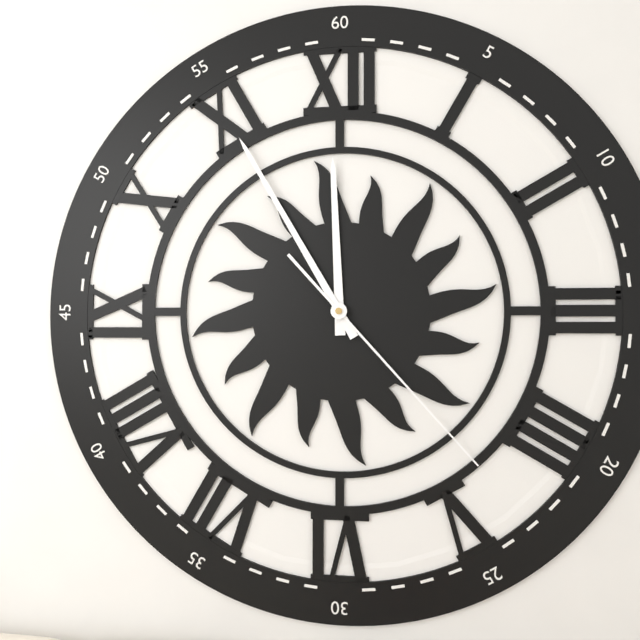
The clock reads **11:55:23**
